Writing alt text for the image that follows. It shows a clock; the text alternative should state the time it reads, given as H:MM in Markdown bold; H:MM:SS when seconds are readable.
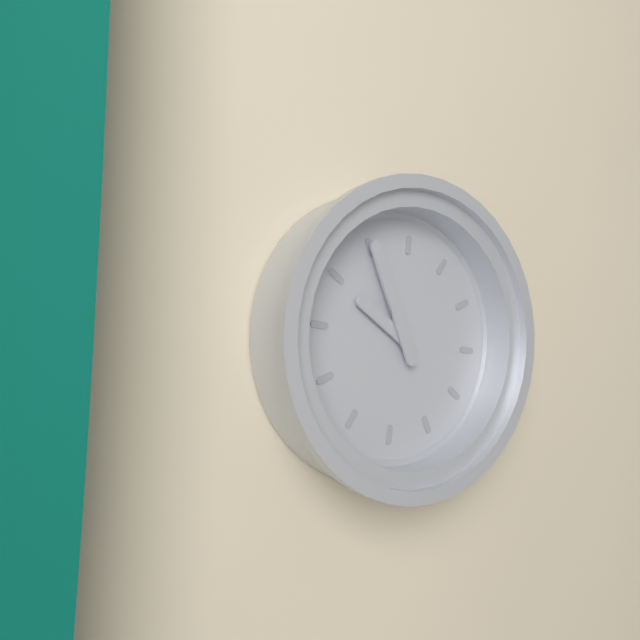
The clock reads **9:55**
